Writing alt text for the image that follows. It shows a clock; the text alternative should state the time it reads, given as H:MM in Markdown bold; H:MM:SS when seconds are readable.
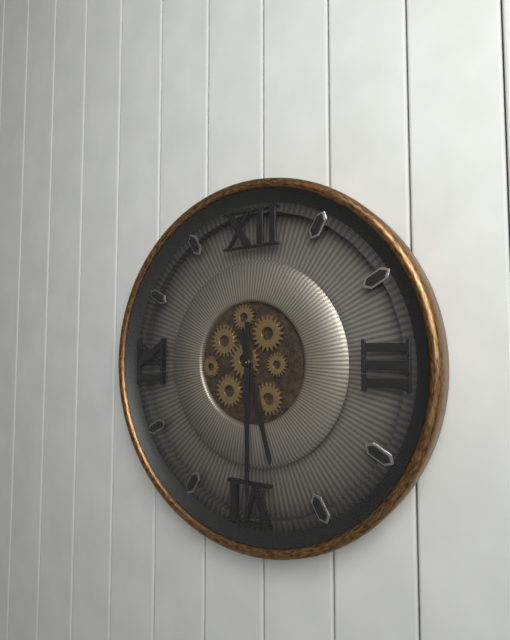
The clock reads **5:30**
